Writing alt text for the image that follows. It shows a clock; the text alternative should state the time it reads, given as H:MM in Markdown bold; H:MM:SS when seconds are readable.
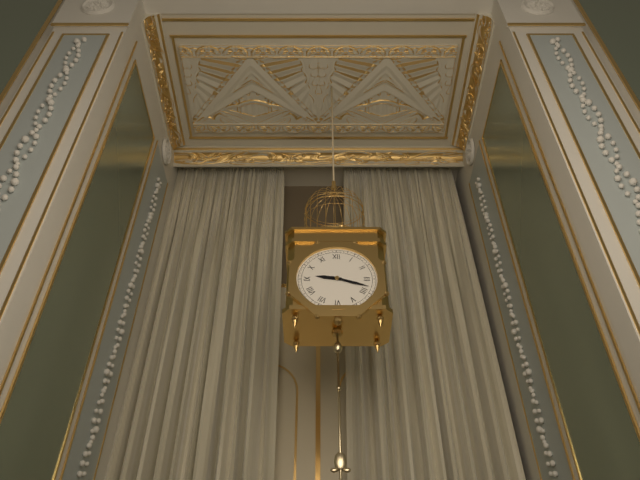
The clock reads **9:18**
